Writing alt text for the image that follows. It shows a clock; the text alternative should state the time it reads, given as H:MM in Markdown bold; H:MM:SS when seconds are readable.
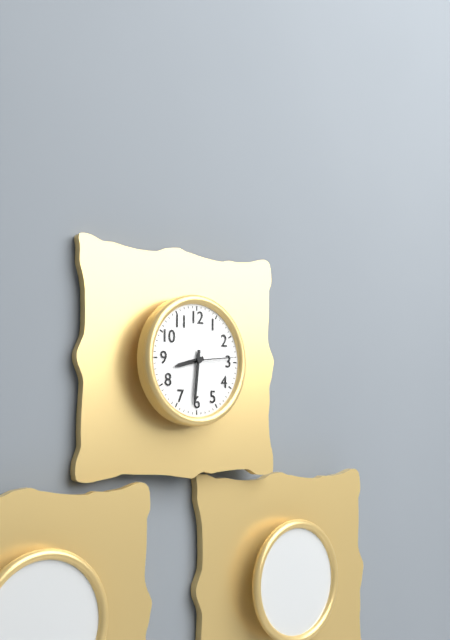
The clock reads **8:31**
